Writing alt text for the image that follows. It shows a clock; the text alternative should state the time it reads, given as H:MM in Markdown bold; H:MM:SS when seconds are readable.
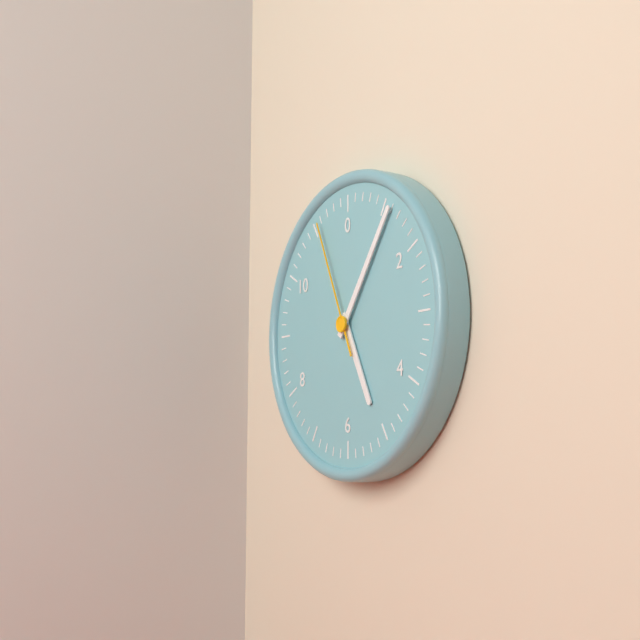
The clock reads **5:06:56**
